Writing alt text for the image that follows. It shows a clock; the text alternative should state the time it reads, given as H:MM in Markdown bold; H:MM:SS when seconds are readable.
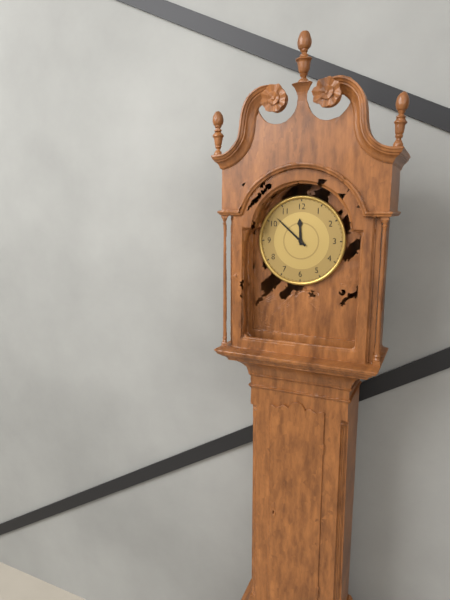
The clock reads **11:52**
